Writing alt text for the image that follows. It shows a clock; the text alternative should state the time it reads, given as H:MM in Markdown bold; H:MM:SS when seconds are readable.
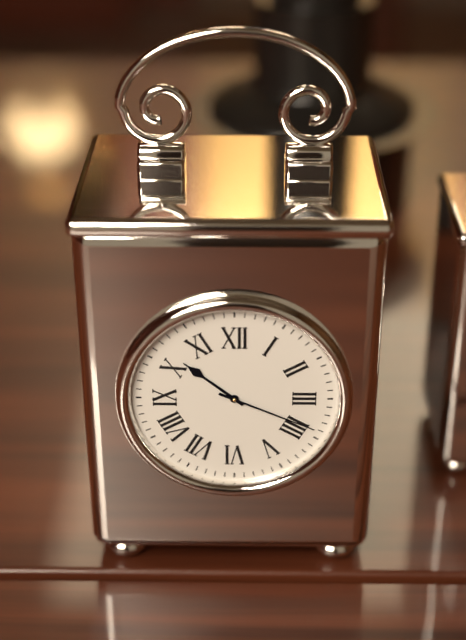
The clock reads **10:19**
